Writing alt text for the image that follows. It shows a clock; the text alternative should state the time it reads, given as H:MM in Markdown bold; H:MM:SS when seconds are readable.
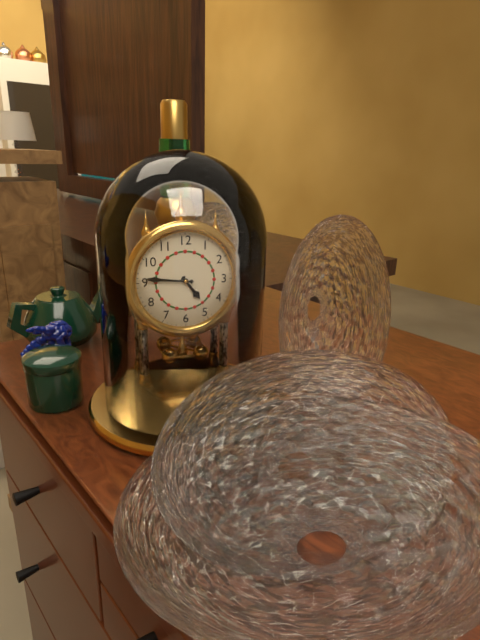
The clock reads **4:46**
